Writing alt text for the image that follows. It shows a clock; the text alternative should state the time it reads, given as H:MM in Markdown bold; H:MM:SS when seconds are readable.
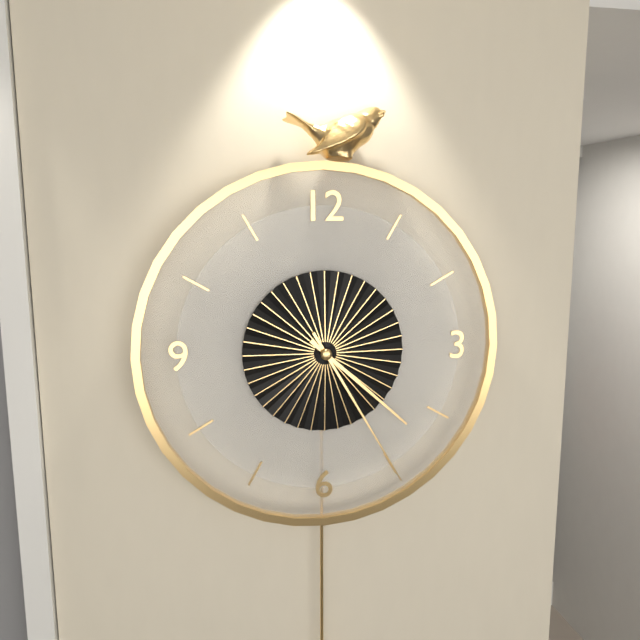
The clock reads **4:25**
